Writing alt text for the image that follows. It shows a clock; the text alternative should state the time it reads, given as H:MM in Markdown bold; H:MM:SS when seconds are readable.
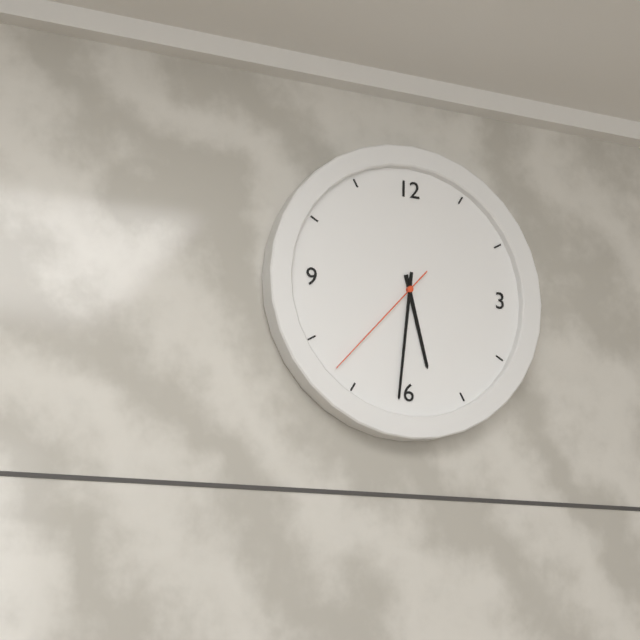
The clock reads **5:31:37**
